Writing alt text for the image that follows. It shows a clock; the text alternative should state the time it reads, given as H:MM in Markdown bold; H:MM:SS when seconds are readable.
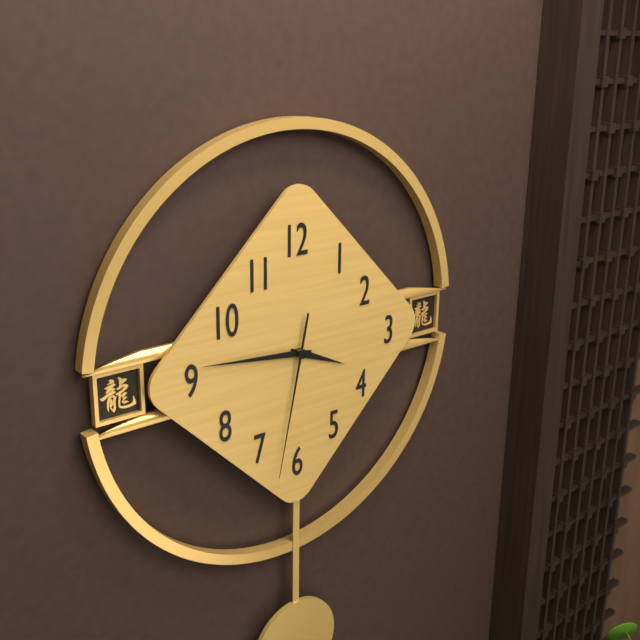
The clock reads **3:46:32**
